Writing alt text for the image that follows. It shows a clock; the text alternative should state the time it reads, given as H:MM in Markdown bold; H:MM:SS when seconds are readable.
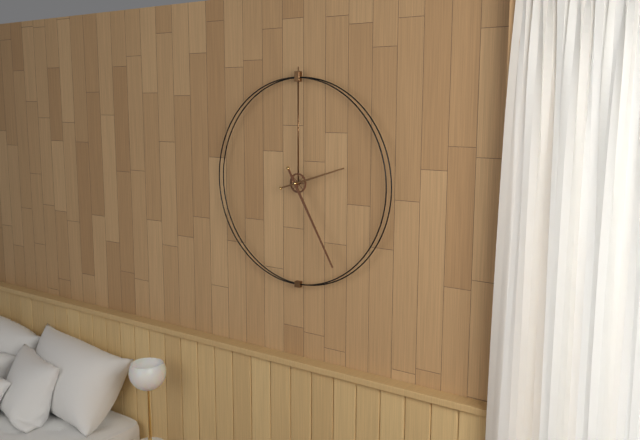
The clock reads **2:25**
